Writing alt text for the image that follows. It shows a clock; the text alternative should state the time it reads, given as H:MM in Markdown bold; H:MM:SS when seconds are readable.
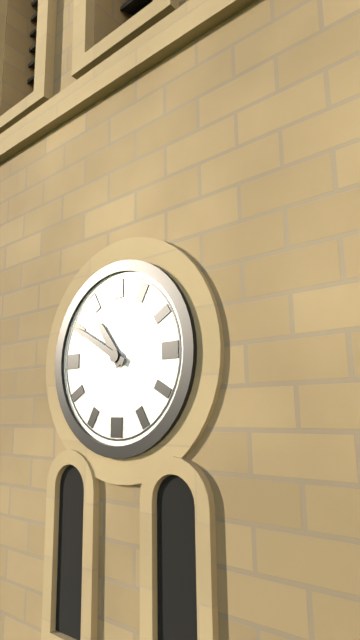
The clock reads **10:50**
